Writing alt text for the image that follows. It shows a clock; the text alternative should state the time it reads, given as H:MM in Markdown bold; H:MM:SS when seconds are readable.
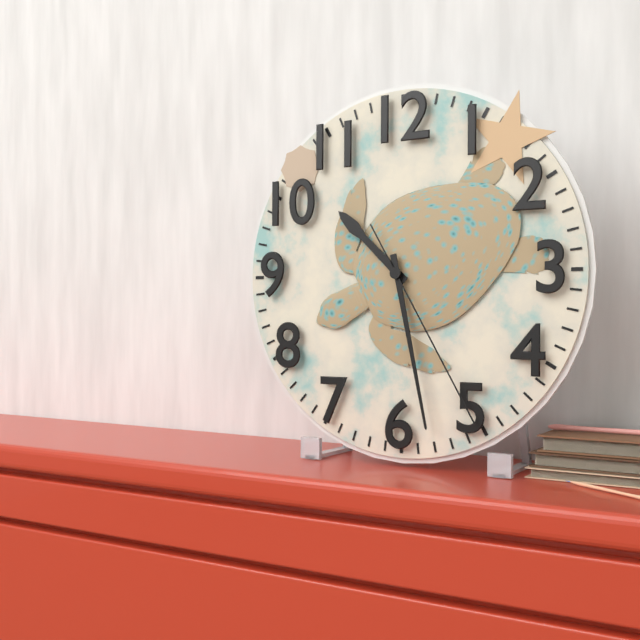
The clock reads **10:28:25**
